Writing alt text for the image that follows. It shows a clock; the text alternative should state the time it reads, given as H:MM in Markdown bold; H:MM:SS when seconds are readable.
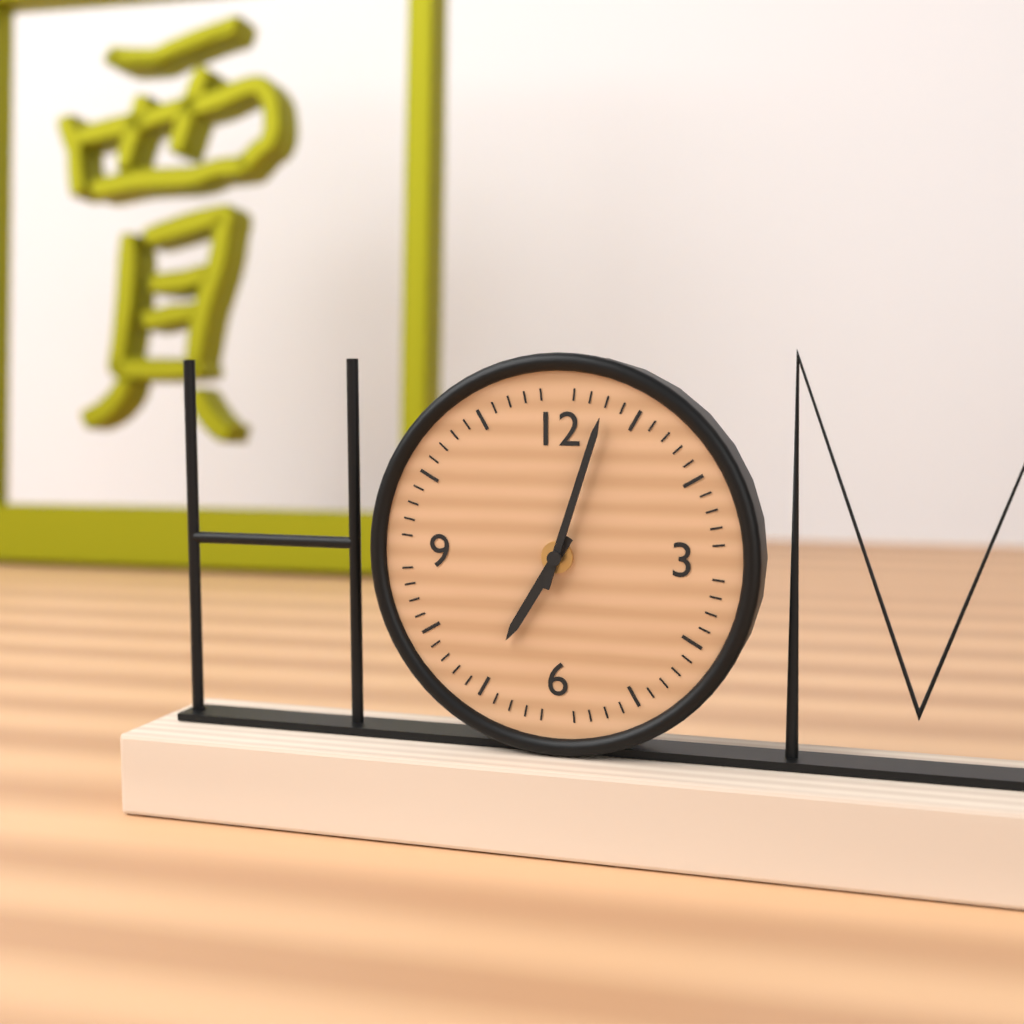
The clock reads **7:03**
